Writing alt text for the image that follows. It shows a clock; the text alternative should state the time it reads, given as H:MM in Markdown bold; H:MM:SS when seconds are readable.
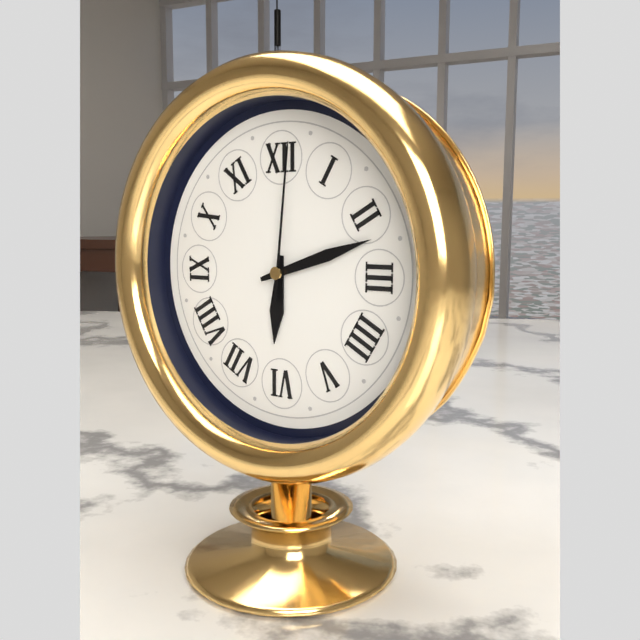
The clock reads **6:12:01**
